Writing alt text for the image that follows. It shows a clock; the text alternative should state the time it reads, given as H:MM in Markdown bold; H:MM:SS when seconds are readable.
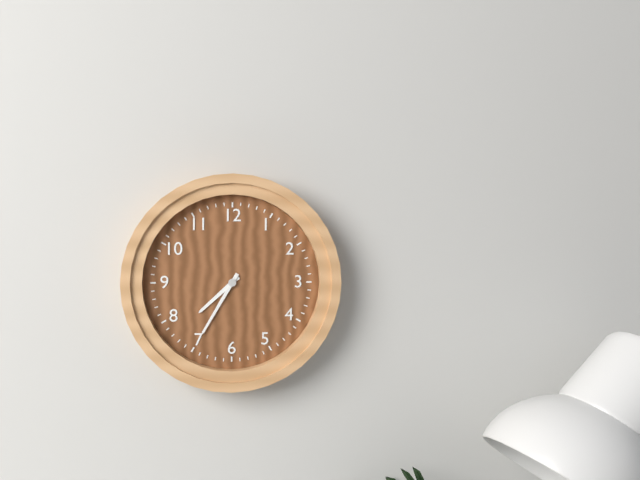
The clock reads **7:35**
